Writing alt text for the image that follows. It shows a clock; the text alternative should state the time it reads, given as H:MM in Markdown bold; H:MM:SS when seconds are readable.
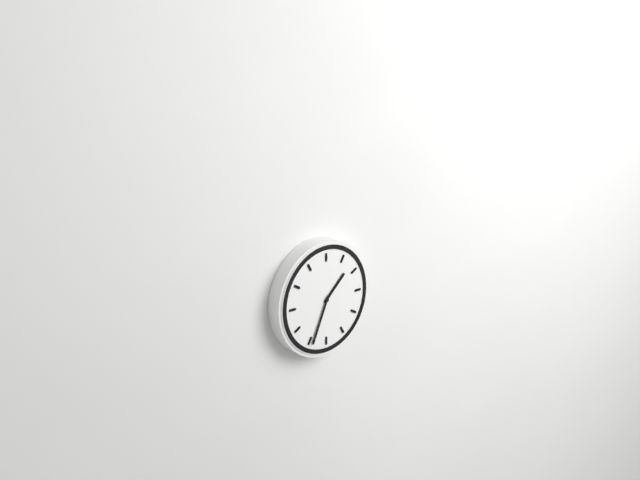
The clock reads **1:34**
